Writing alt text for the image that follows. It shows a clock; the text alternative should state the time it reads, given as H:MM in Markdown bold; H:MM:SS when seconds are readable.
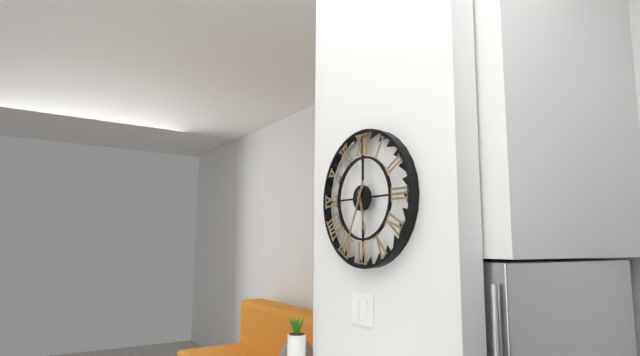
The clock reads **5:34**
